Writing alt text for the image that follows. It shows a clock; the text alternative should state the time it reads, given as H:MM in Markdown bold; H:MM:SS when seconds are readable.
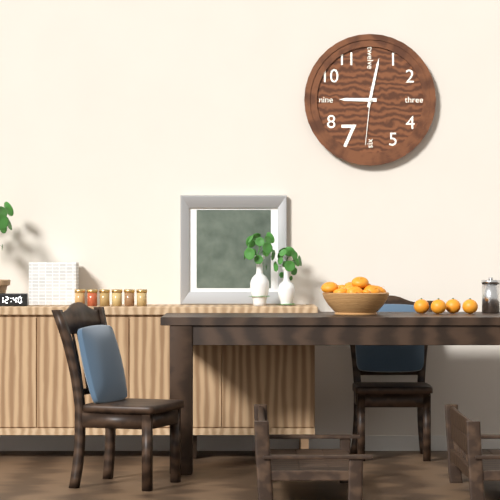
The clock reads **9:02:31**
